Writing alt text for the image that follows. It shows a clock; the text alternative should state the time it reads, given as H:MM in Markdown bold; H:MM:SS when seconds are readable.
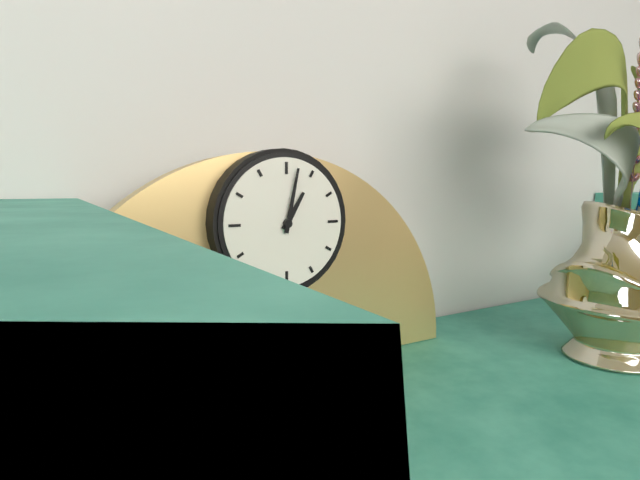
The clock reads **1:02**
